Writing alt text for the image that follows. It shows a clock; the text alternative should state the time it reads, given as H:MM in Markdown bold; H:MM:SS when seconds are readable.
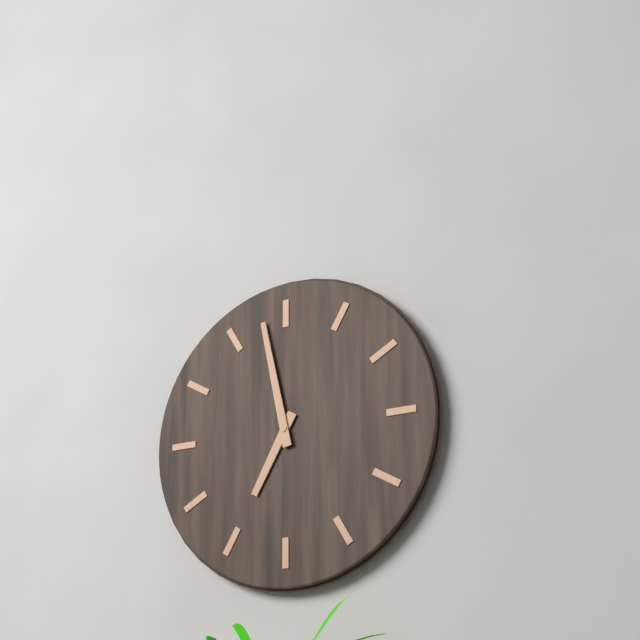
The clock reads **6:58**
